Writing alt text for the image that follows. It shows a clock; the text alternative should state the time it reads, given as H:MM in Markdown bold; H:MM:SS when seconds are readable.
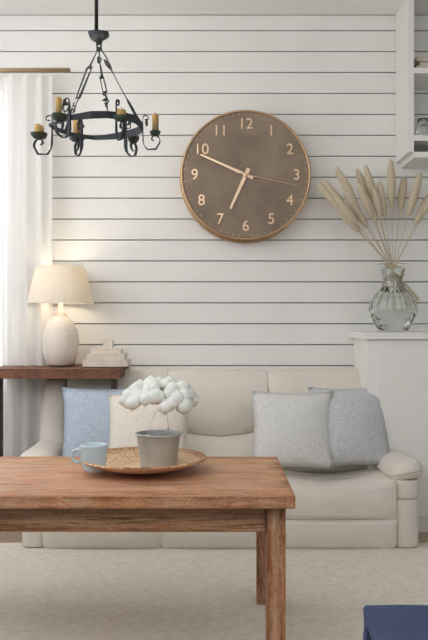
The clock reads **6:49:17**
